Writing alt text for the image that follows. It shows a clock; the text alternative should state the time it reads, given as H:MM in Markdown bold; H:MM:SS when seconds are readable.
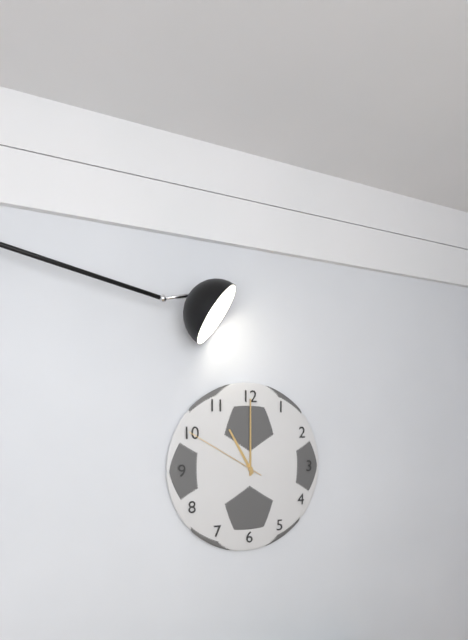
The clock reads **11:00:50**
